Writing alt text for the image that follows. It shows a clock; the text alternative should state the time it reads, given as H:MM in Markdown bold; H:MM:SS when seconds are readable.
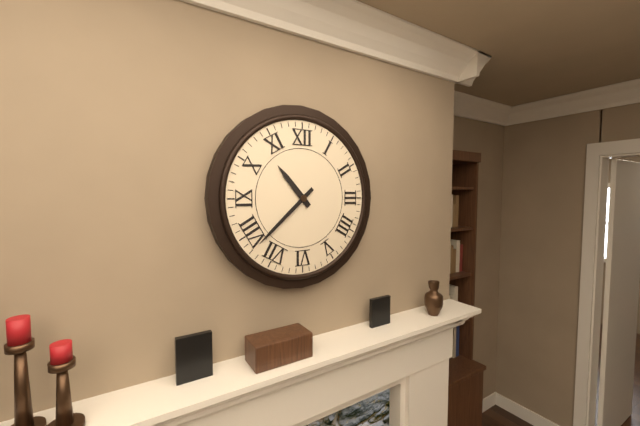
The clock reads **10:38**
